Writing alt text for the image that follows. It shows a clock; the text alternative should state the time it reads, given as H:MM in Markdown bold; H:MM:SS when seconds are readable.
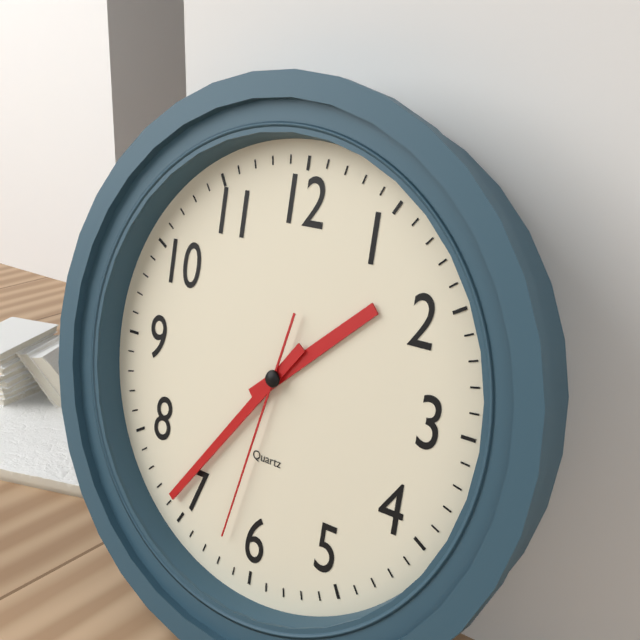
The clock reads **1:36:32**
